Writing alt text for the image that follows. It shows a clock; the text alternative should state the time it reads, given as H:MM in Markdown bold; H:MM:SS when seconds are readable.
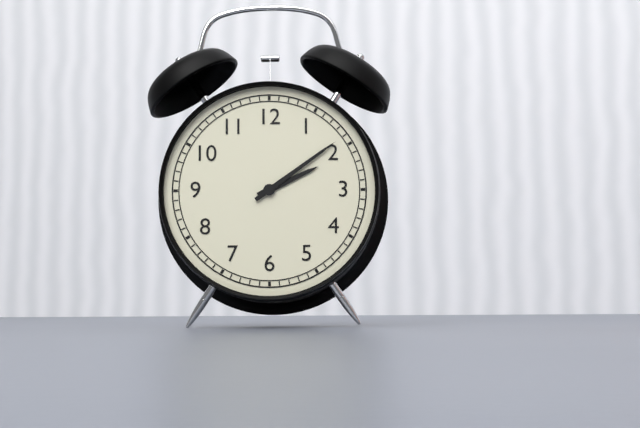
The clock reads **2:09**
